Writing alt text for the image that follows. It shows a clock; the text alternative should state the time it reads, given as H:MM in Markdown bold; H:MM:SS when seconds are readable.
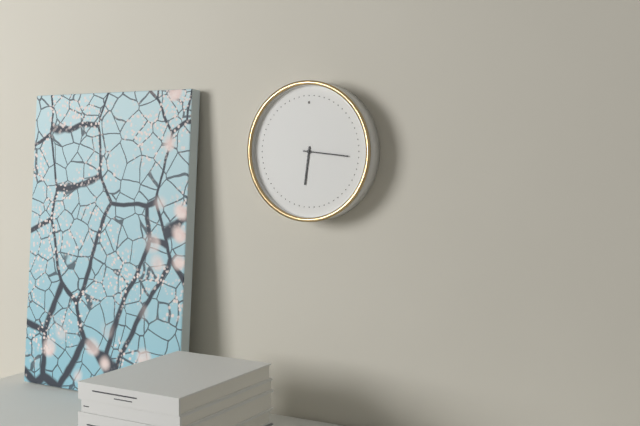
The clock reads **6:16**
